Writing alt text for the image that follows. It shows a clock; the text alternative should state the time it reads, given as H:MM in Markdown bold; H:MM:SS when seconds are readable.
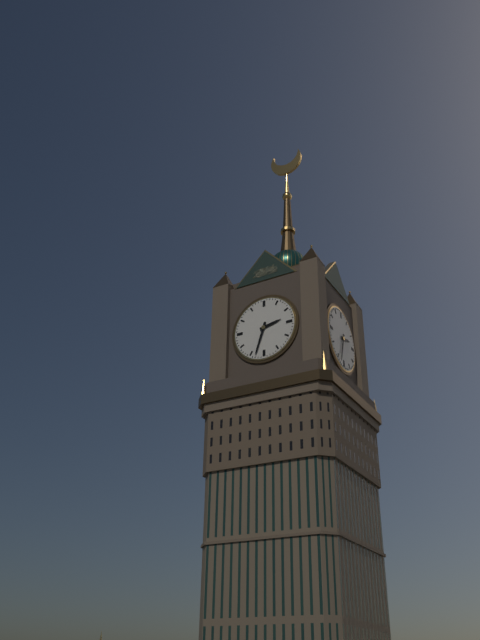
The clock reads **2:33**
